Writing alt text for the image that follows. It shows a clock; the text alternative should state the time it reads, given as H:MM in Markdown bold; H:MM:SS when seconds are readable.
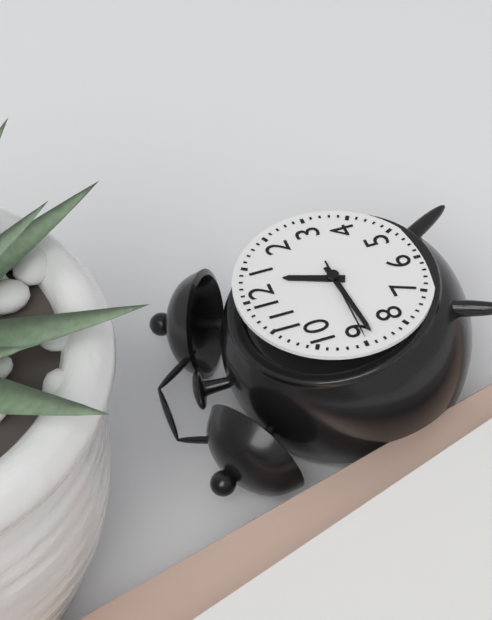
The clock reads **12:44:45**
